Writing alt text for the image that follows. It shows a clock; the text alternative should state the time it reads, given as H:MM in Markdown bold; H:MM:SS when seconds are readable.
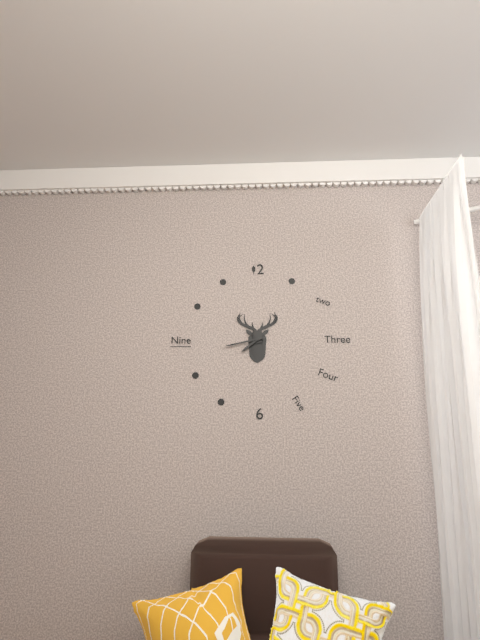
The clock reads **7:43**
